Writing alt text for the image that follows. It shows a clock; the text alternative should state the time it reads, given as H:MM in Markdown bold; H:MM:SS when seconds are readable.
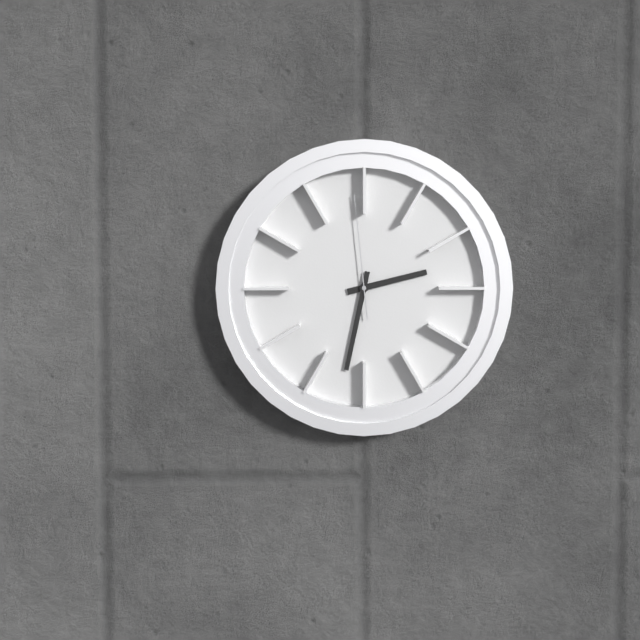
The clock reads **2:32:59**
